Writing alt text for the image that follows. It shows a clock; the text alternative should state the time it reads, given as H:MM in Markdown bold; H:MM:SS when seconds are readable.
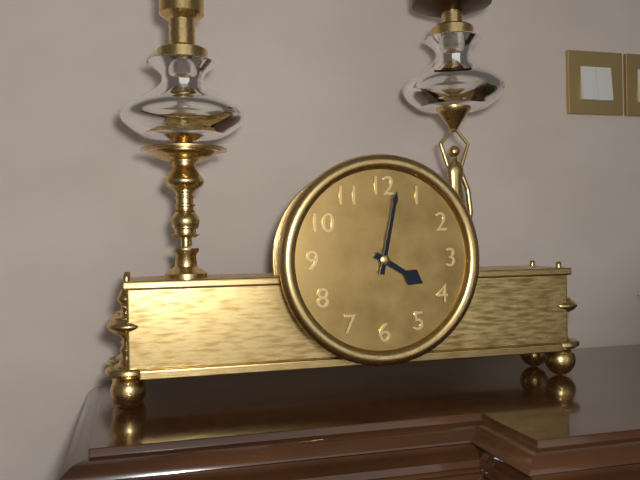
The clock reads **4:02**
